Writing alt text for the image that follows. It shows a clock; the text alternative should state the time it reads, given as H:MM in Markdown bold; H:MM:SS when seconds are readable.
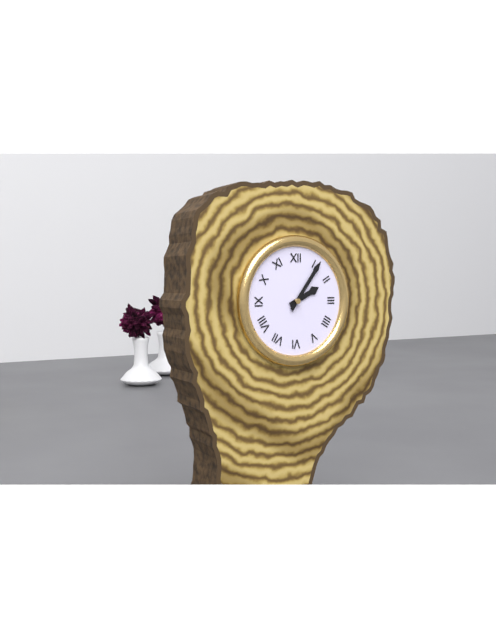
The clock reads **2:06**
